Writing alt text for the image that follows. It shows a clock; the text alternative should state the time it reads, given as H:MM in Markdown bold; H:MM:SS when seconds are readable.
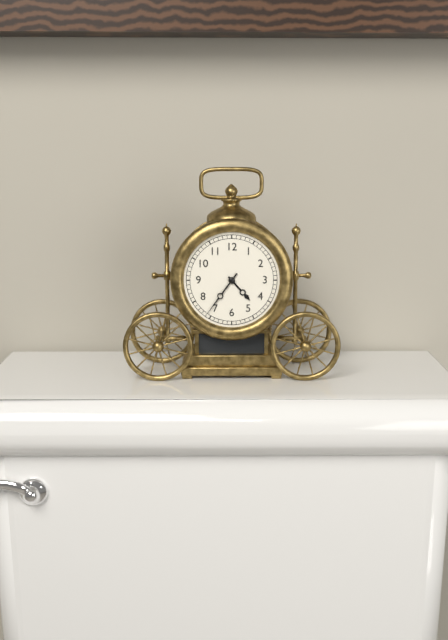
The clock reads **4:36**
